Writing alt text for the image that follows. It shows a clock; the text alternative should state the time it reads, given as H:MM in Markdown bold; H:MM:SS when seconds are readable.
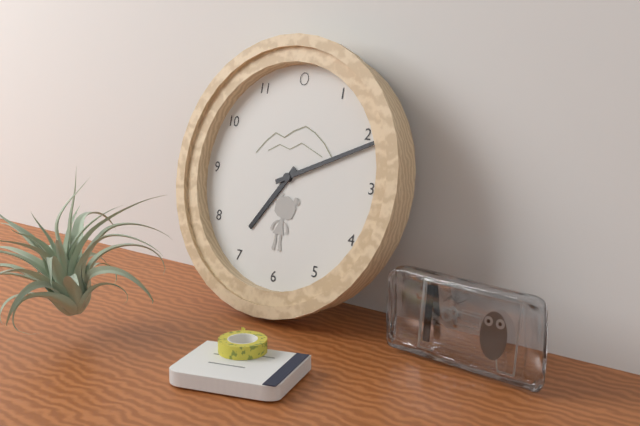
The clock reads **7:11**
